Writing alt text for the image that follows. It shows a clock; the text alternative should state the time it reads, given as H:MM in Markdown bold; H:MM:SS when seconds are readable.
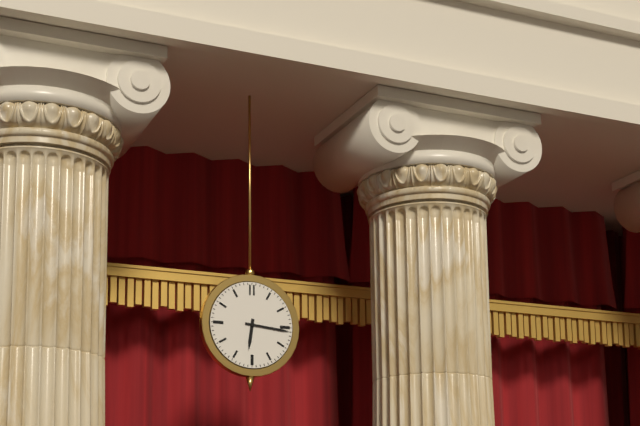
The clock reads **6:16**
